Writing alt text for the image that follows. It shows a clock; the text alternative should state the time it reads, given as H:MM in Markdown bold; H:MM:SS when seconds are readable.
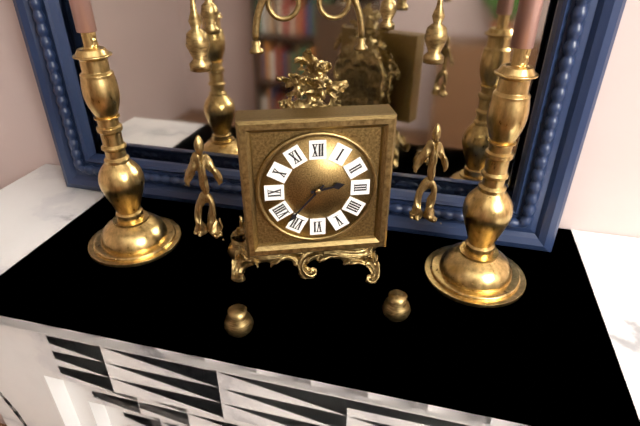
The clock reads **2:37**
